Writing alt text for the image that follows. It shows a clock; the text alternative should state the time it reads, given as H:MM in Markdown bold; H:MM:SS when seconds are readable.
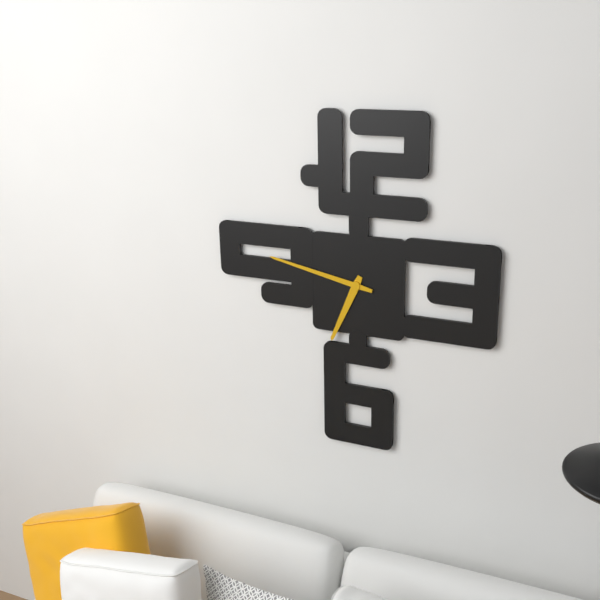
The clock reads **6:47**
